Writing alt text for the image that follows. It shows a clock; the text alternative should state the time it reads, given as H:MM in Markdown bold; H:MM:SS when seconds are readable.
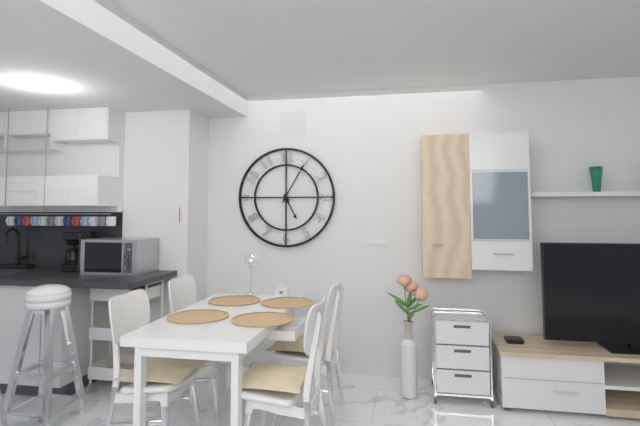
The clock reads **5:05**
